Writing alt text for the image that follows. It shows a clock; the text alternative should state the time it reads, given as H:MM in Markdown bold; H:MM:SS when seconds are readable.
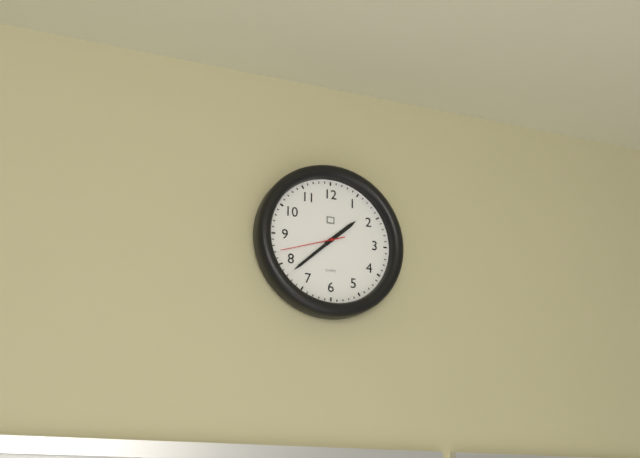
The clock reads **1:38:42**
